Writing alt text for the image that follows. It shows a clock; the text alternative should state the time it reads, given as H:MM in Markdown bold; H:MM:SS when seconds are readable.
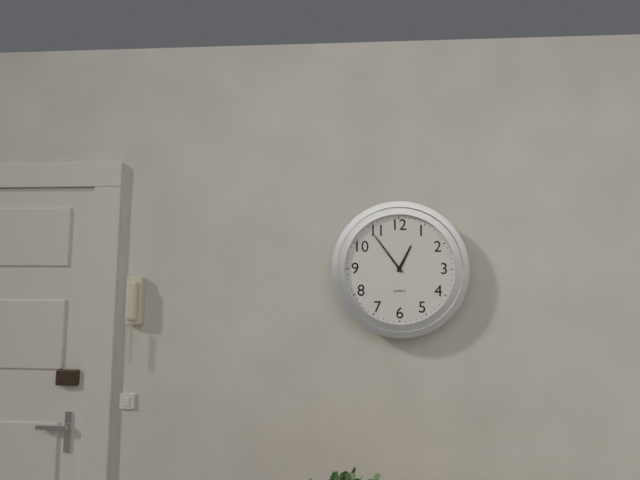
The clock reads **12:54**
